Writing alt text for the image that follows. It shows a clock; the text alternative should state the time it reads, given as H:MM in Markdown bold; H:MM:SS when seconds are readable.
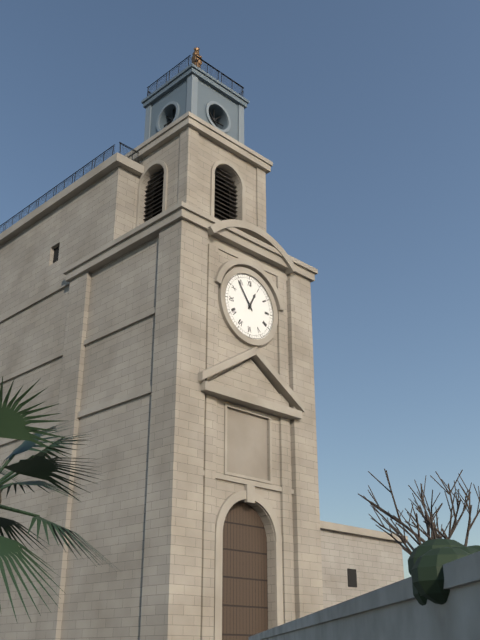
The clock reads **12:54**
